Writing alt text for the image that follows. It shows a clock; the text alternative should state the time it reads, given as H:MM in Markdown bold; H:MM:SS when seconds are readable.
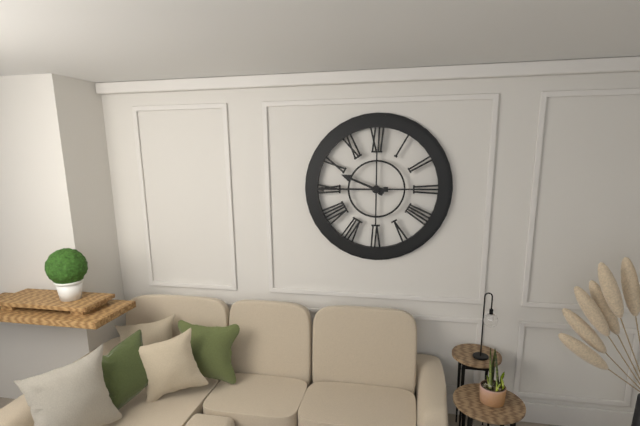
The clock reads **9:45**
